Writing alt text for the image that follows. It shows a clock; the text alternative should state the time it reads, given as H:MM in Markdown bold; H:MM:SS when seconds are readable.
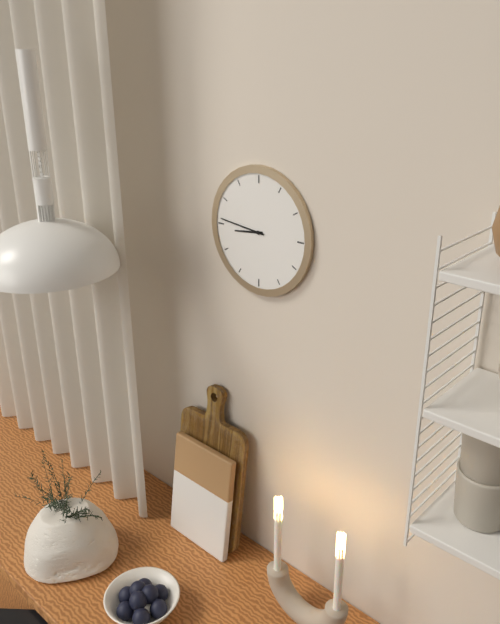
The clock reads **8:46**
